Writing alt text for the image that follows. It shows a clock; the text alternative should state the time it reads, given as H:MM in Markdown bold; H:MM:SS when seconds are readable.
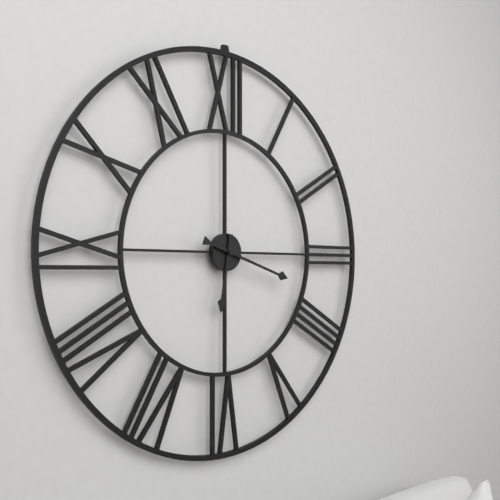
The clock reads **6:18**
